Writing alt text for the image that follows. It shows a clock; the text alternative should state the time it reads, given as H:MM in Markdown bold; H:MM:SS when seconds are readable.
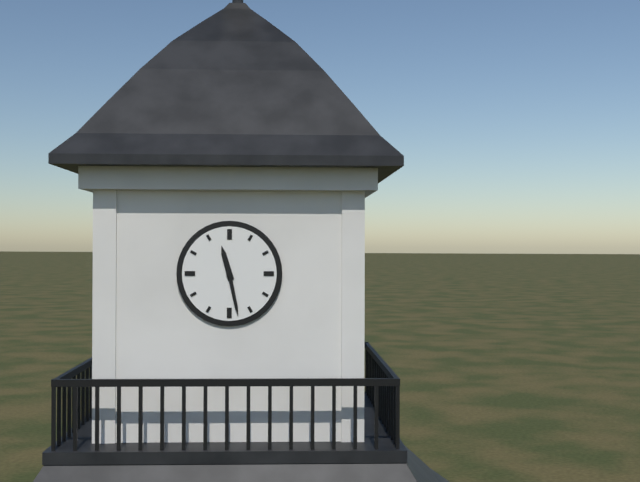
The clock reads **11:28**
